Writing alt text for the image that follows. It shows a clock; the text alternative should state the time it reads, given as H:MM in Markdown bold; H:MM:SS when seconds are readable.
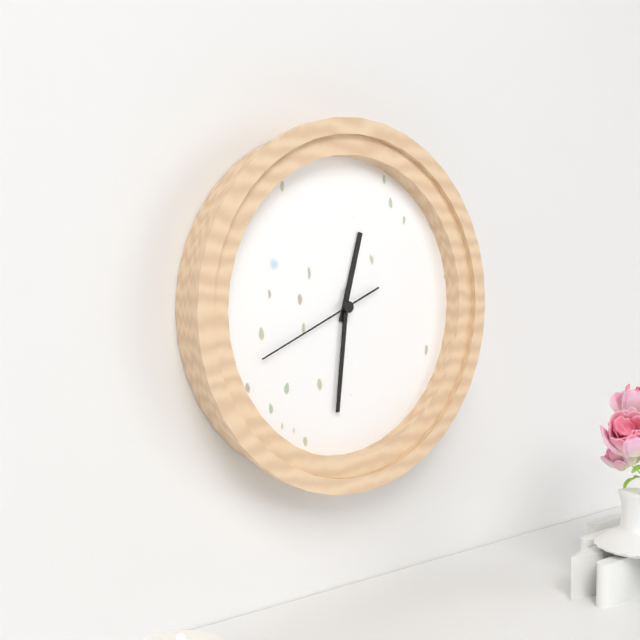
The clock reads **12:31:41**
